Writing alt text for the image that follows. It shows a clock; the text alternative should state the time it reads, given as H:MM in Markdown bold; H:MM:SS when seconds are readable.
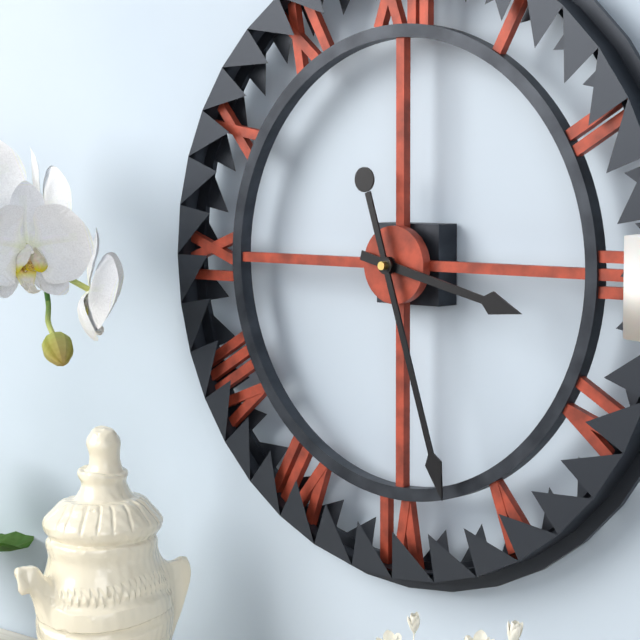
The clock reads **3:27**
